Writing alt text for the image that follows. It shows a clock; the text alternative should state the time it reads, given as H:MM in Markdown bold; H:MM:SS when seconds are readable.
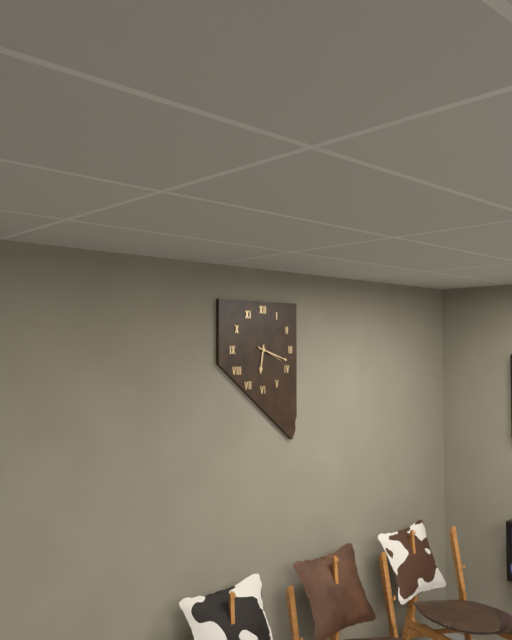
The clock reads **6:18**
